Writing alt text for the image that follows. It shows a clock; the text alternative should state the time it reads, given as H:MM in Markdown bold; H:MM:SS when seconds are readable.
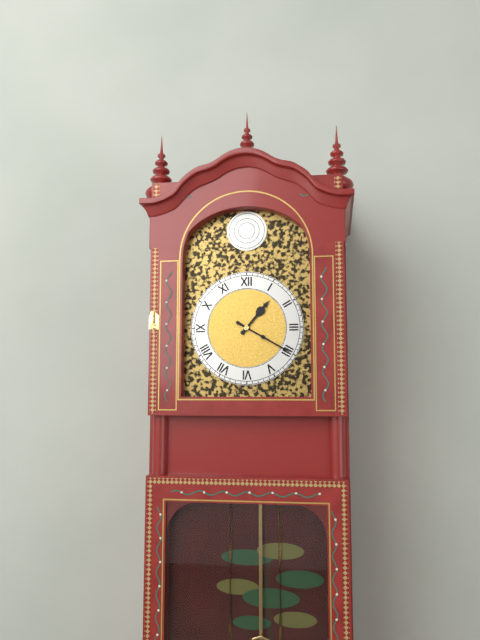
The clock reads **1:20**
